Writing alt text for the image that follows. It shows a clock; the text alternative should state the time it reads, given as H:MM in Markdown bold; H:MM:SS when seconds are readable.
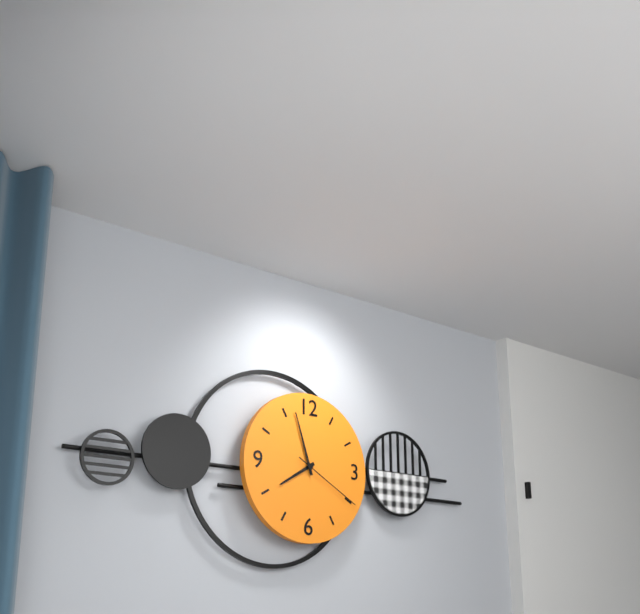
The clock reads **7:57:20**
